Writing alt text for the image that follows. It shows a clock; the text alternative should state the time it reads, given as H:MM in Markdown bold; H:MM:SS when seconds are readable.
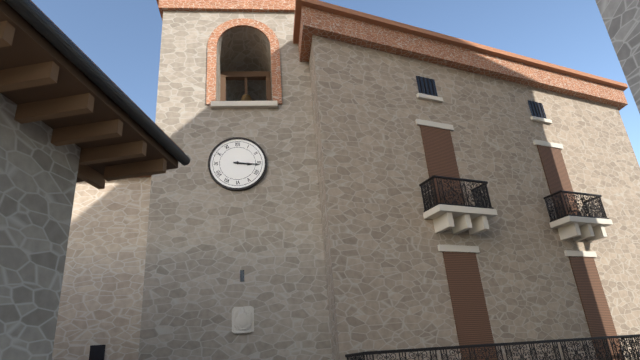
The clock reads **3:16**
